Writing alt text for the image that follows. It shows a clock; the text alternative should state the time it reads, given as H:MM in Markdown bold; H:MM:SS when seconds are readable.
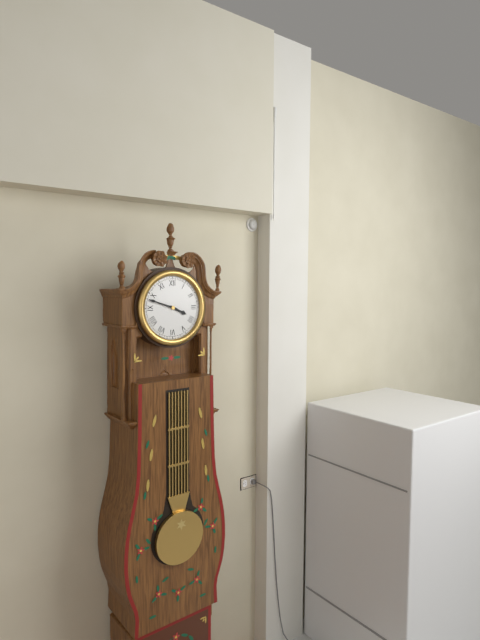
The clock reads **3:48**
